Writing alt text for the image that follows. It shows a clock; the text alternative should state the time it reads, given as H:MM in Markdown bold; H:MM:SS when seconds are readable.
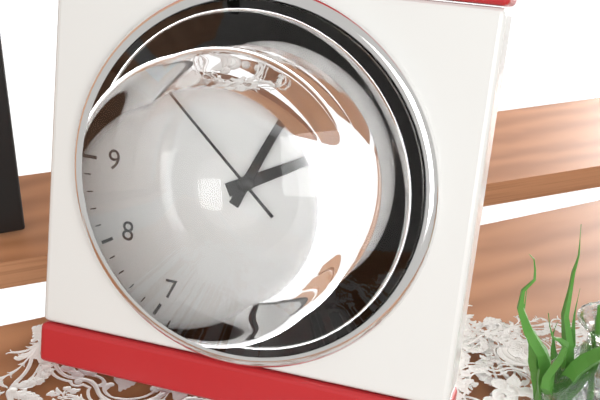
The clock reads **2:04:52**
